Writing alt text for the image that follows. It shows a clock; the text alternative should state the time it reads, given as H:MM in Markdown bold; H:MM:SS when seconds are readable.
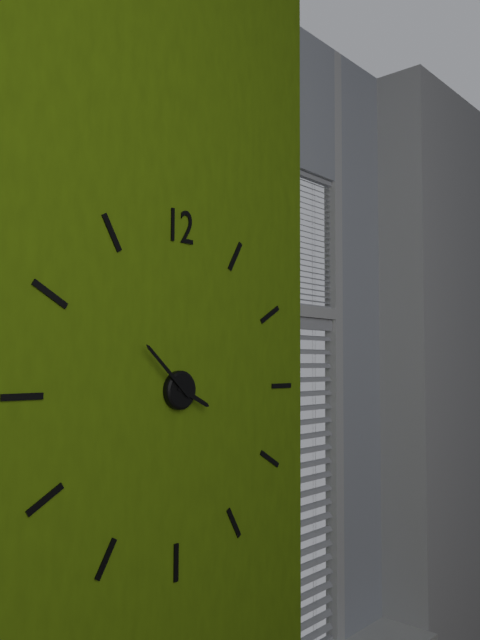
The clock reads **3:52**
